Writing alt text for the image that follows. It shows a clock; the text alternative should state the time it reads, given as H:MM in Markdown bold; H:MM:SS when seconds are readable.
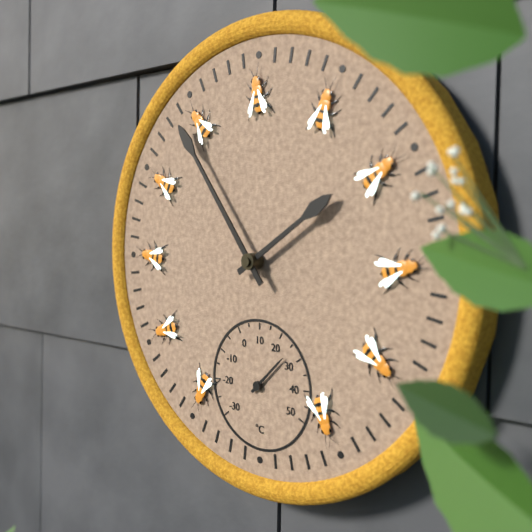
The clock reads **1:54**
